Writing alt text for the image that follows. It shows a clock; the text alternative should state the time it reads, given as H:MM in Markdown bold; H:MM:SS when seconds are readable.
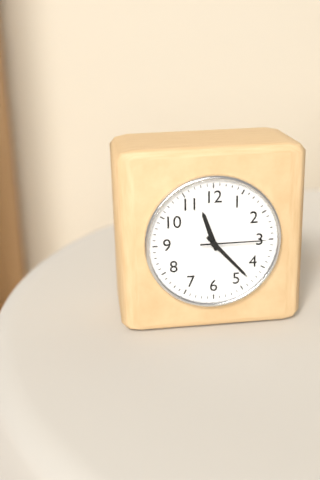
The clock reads **11:23:15**
